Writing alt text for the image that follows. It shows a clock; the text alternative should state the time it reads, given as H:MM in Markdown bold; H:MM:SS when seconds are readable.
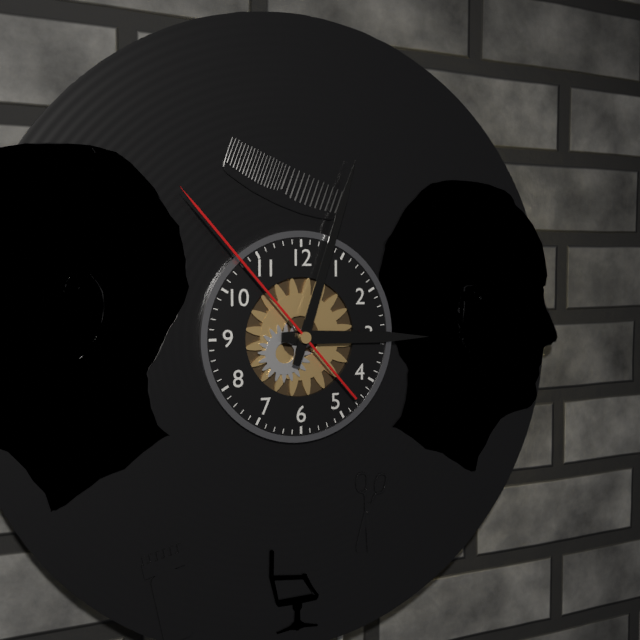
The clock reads **3:03:53**
